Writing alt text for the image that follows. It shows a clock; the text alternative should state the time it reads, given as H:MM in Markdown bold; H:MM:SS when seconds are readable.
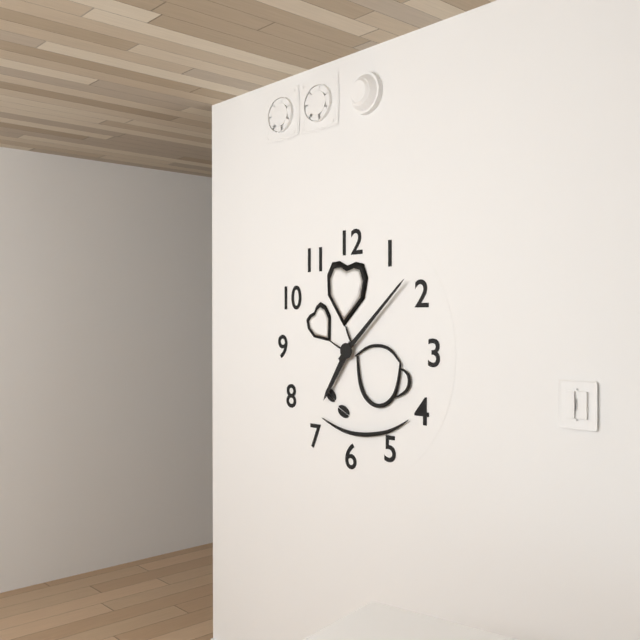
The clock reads **7:08**
